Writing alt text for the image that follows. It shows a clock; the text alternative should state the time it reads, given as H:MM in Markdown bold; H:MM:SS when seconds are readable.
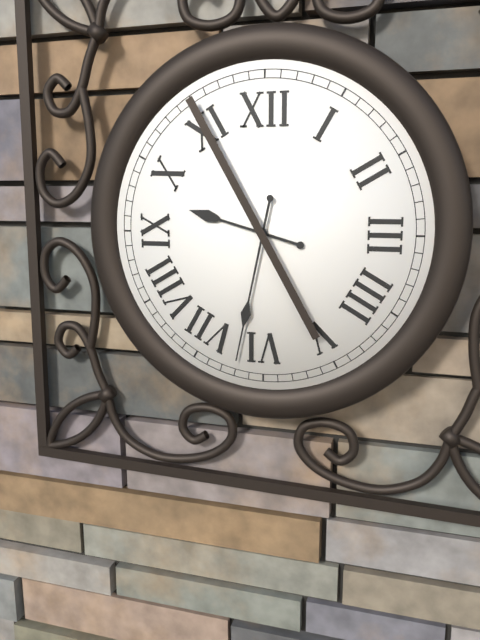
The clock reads **9:32**
